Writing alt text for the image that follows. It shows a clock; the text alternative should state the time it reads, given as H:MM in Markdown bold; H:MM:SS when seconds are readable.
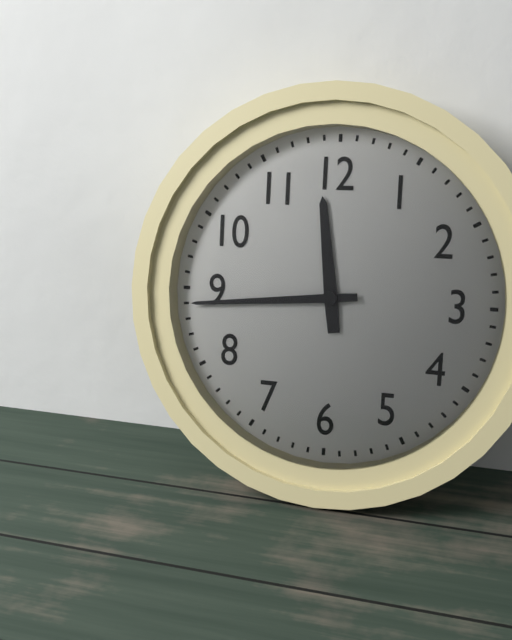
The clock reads **11:44**
